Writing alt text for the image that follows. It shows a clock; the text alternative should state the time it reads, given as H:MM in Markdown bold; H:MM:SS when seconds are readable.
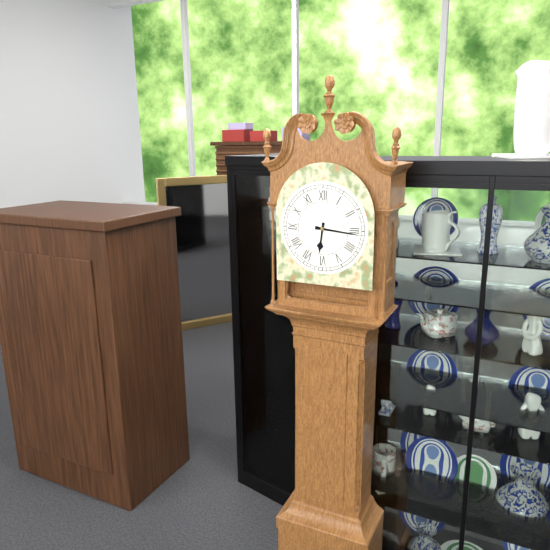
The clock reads **6:16**
